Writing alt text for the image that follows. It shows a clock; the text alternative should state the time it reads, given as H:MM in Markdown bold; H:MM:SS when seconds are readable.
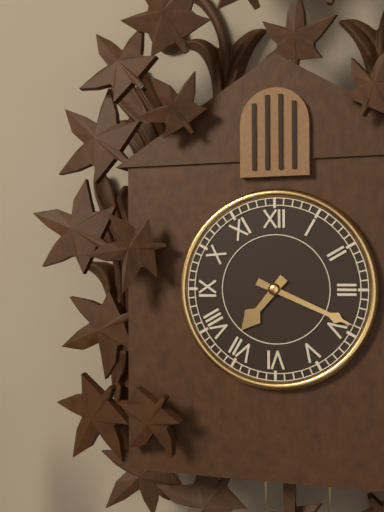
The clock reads **7:19**
